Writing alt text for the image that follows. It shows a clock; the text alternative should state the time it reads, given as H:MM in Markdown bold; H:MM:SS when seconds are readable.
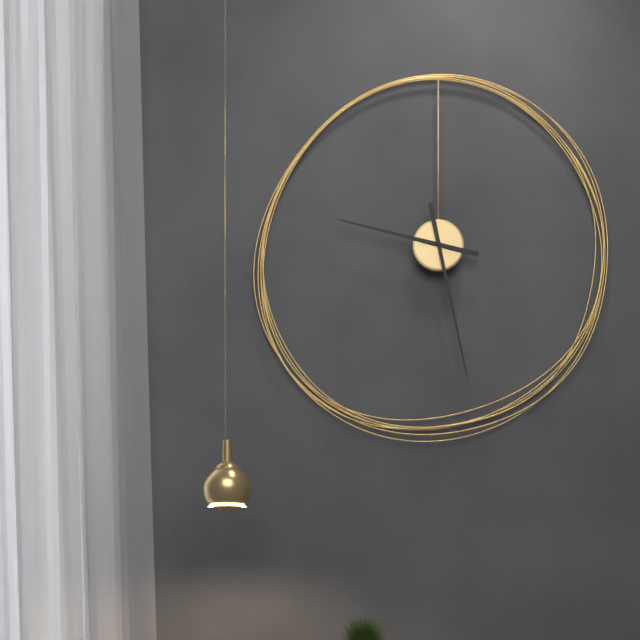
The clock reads **9:28**
